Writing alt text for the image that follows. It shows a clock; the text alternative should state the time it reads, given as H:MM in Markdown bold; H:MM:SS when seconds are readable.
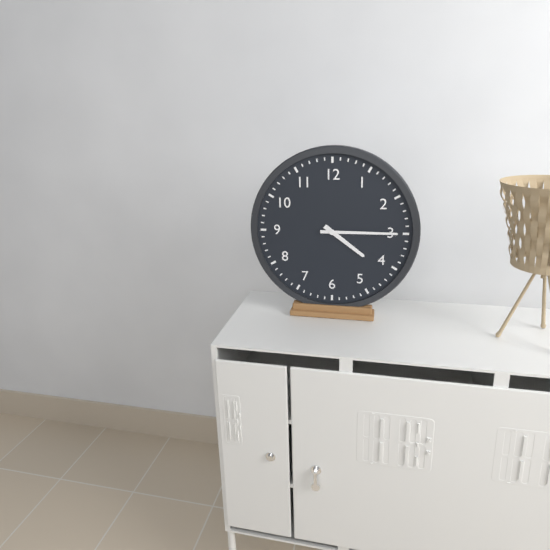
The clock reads **4:15**
